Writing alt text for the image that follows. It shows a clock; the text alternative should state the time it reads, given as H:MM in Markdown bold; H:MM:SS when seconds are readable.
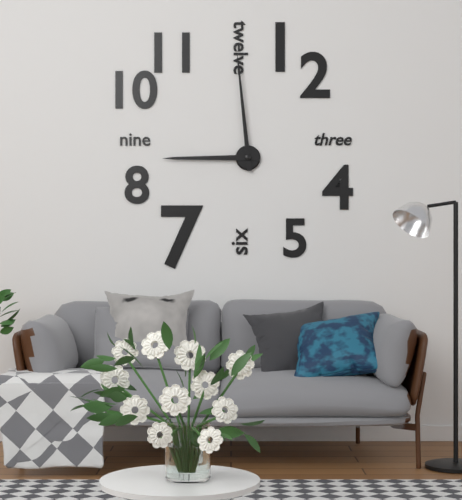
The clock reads **8:59**
